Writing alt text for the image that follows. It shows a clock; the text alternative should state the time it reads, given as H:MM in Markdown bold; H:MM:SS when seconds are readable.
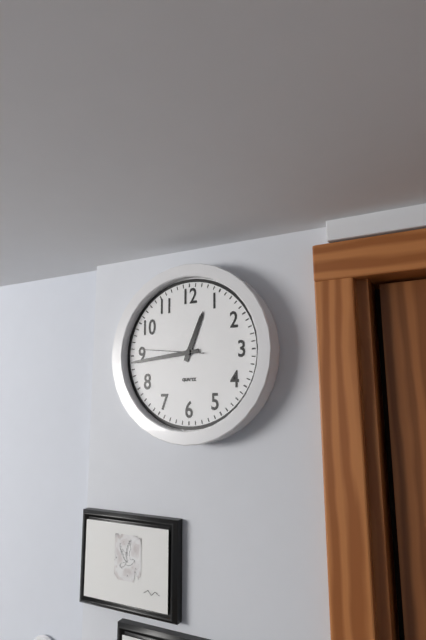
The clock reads **12:44:46**
